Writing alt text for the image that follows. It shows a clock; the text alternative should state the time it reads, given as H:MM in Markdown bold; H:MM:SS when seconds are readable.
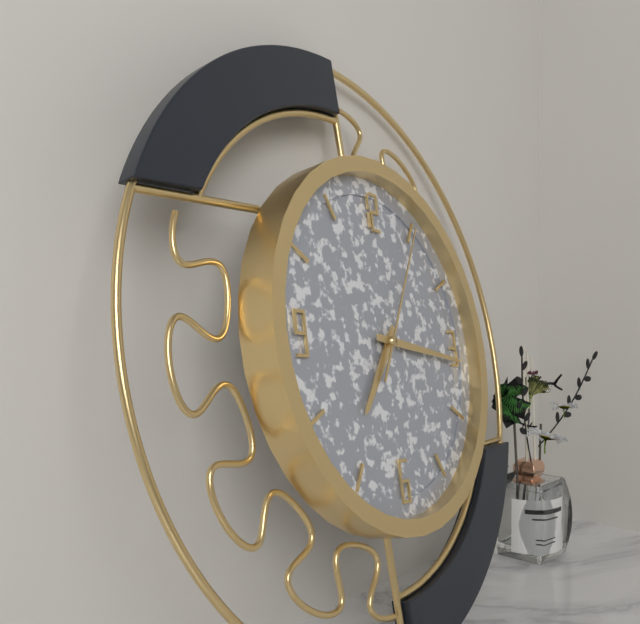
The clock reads **7:16:05**
